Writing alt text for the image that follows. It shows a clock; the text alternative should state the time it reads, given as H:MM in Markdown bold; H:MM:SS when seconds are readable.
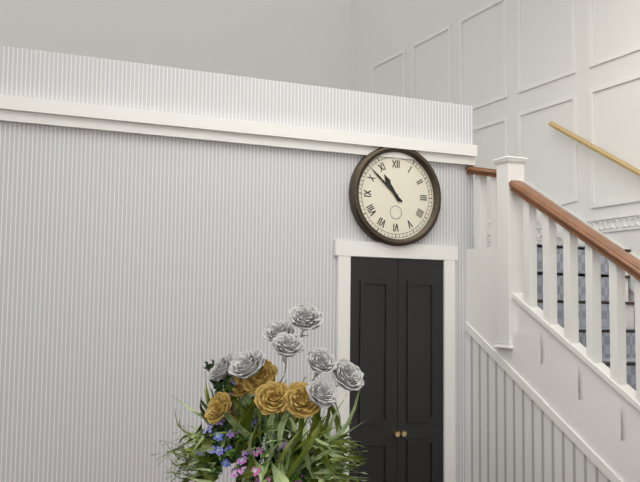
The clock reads **10:52**
